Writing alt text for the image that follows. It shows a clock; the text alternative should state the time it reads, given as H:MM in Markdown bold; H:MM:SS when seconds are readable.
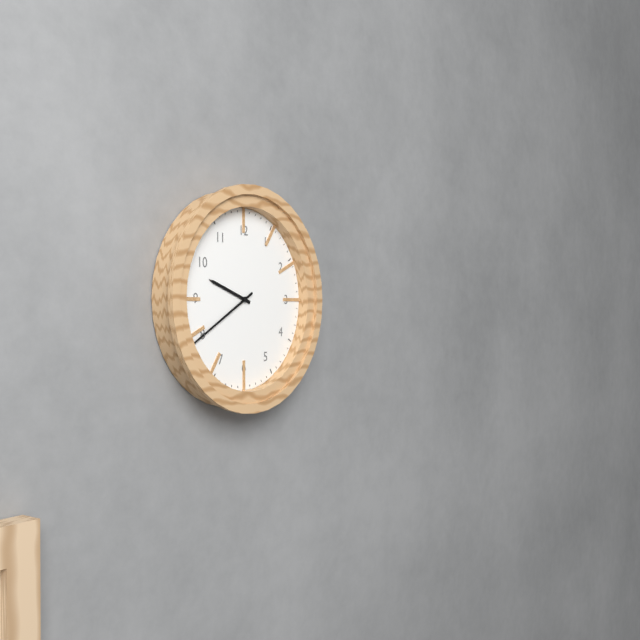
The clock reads **9:40**
